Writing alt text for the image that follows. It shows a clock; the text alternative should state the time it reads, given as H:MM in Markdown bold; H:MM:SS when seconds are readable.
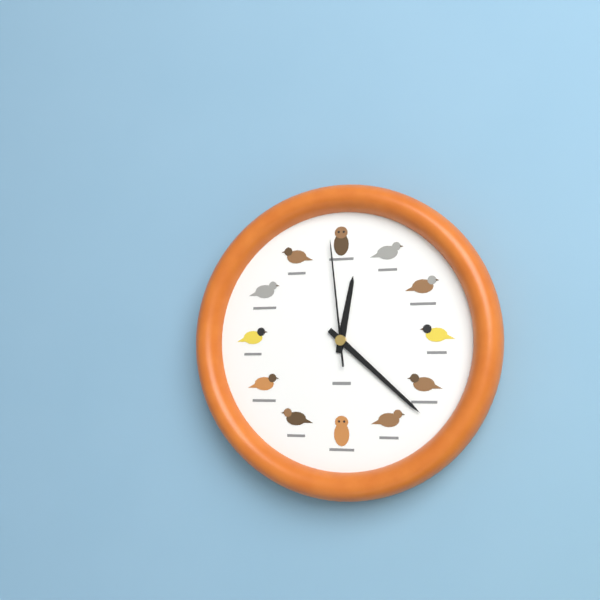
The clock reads **12:22:59**
